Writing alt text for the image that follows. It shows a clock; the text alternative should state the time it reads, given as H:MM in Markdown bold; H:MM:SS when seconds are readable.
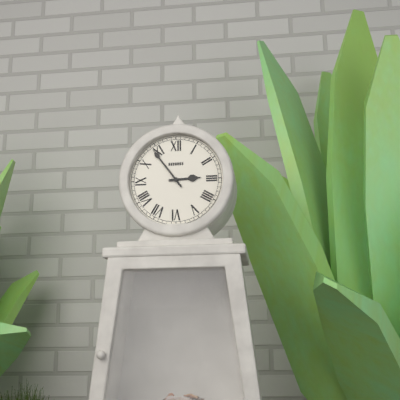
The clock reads **2:54**
